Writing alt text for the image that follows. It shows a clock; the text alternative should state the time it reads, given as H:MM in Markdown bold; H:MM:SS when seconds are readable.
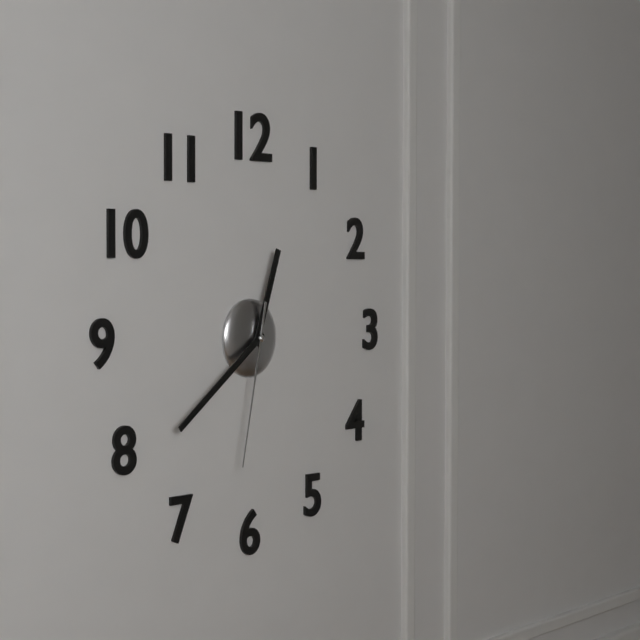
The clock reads **12:39:32**
